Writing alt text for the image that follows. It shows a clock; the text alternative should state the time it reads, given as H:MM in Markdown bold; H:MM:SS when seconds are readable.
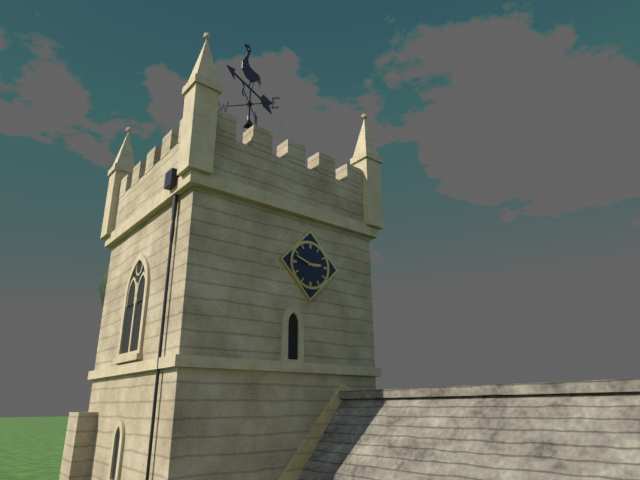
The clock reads **2:48**
